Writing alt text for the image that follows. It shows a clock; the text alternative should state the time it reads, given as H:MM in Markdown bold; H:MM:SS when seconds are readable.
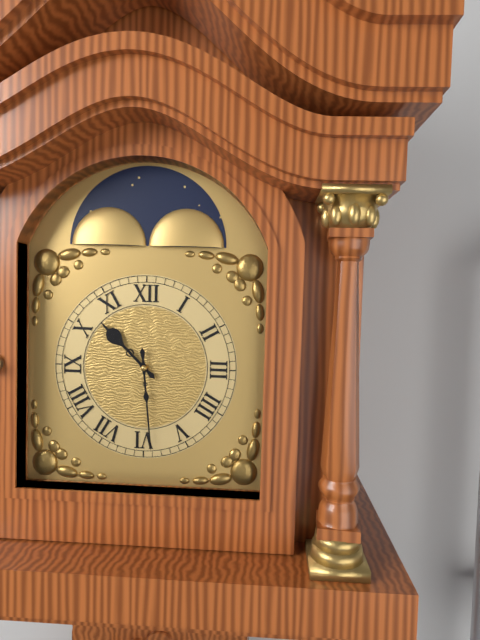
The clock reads **10:29**
